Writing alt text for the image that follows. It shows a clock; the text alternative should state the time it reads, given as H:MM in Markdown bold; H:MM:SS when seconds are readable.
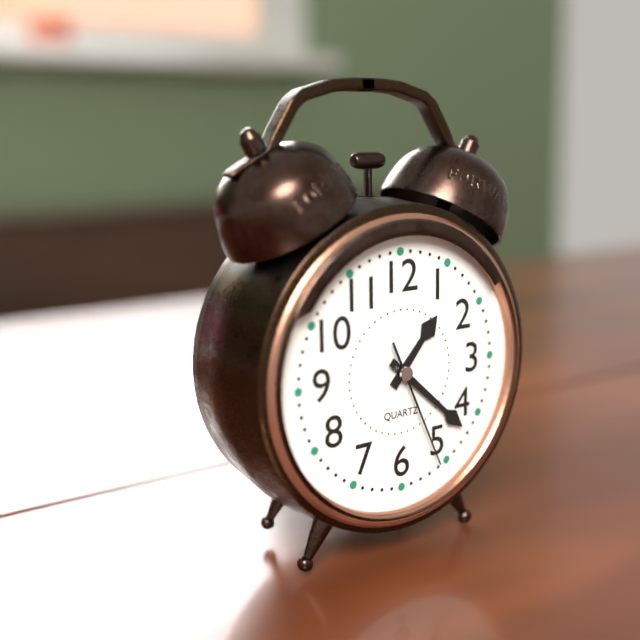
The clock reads **1:22:26**
